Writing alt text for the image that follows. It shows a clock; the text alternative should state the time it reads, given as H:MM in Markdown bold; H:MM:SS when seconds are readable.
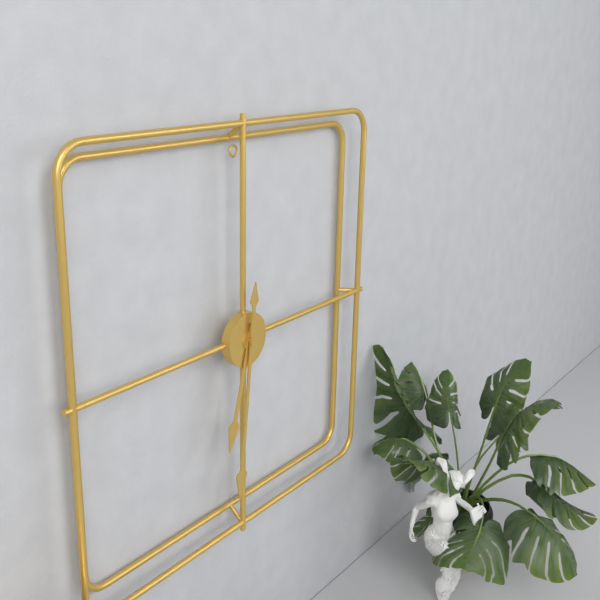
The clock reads **6:31**
